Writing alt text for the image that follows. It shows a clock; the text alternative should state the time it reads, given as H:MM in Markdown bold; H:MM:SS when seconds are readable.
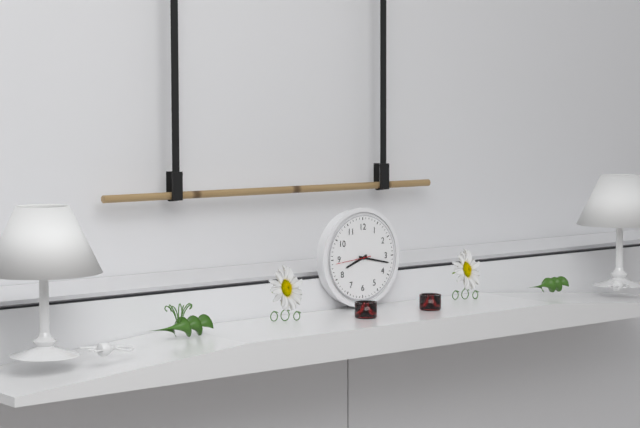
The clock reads **8:17**
